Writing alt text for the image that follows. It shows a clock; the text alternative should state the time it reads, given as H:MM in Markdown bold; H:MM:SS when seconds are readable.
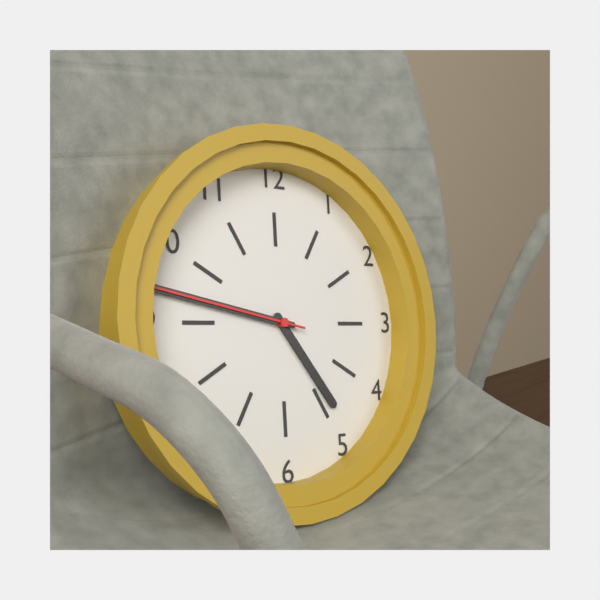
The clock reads **4:47:47**
